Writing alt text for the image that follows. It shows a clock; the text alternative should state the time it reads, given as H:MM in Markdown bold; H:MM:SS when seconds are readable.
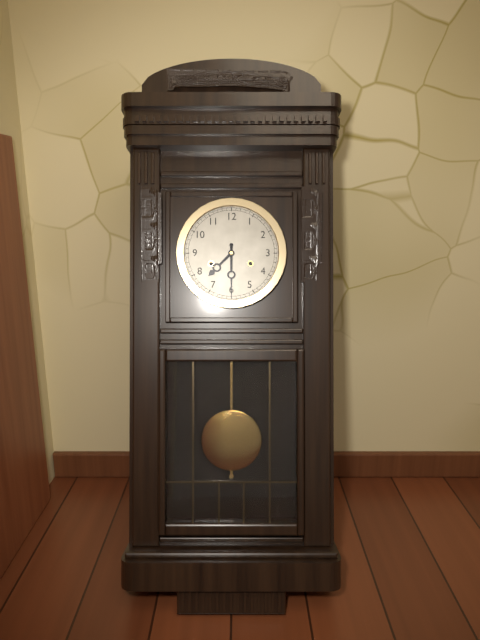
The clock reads **7:30**
